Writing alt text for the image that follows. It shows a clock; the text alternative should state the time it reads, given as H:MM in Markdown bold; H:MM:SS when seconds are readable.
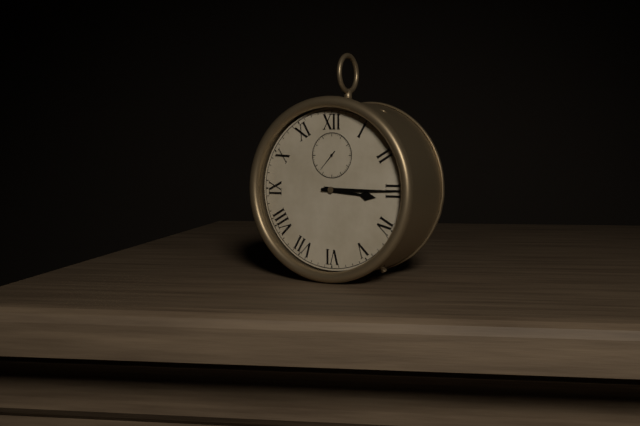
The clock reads **3:15**
